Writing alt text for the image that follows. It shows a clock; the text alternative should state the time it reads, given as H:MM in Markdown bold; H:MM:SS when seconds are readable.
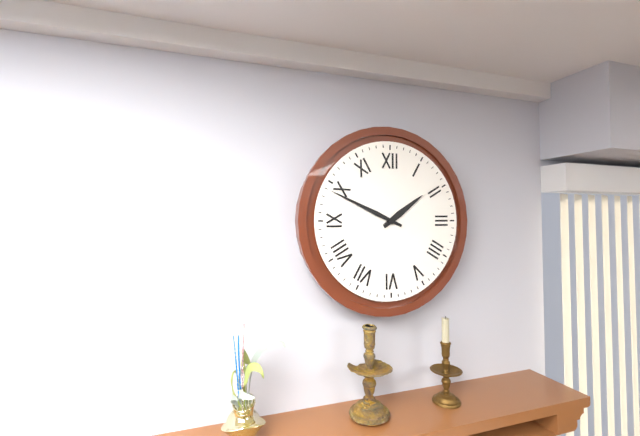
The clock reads **1:49**
